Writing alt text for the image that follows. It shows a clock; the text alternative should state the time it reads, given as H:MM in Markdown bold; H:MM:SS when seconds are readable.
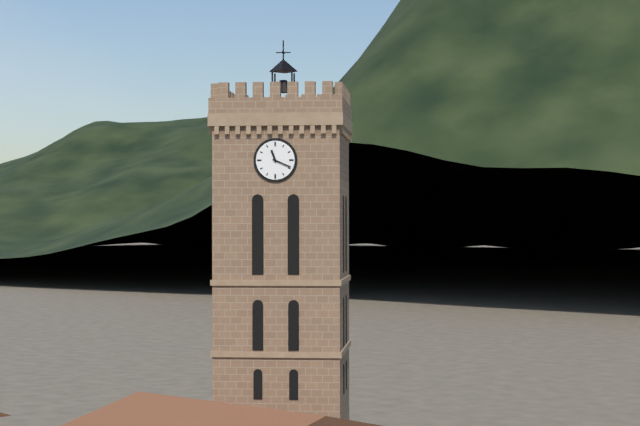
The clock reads **11:19**
